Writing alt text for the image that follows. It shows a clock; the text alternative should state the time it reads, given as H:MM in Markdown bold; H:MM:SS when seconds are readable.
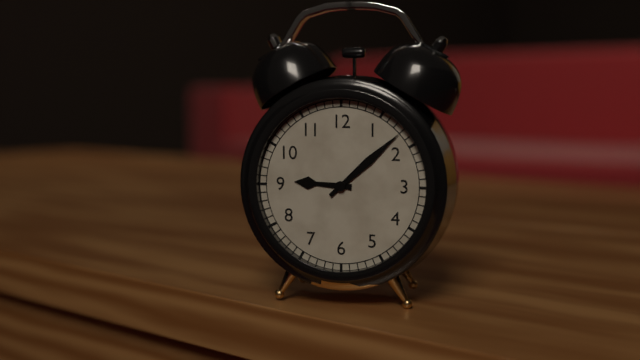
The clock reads **9:08**
